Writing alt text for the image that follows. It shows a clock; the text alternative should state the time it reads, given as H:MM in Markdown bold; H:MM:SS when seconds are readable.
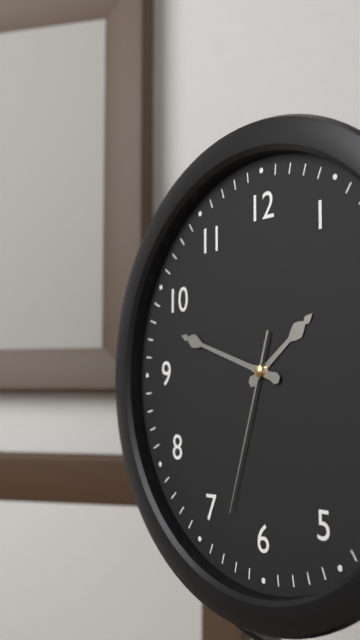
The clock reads **1:48:33**
